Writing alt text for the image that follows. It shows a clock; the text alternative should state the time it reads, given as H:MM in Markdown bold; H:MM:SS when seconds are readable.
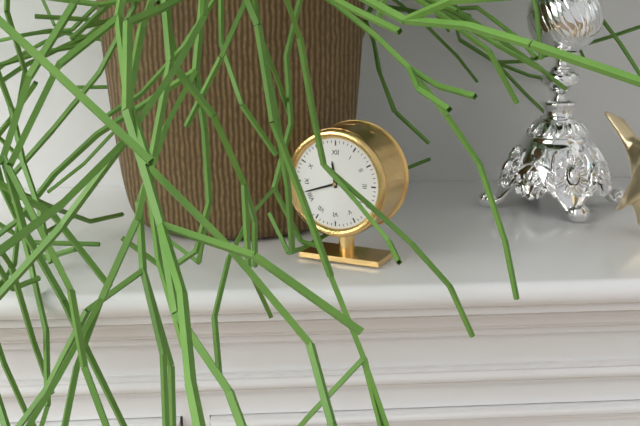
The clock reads **11:42**
